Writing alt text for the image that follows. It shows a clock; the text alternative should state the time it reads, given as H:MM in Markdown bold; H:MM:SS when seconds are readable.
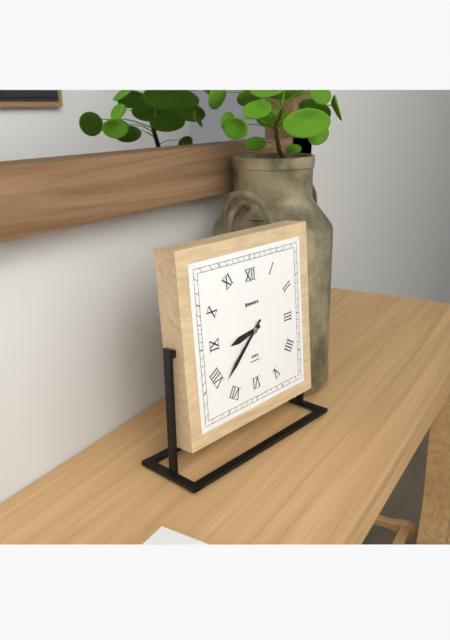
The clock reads **8:38**
